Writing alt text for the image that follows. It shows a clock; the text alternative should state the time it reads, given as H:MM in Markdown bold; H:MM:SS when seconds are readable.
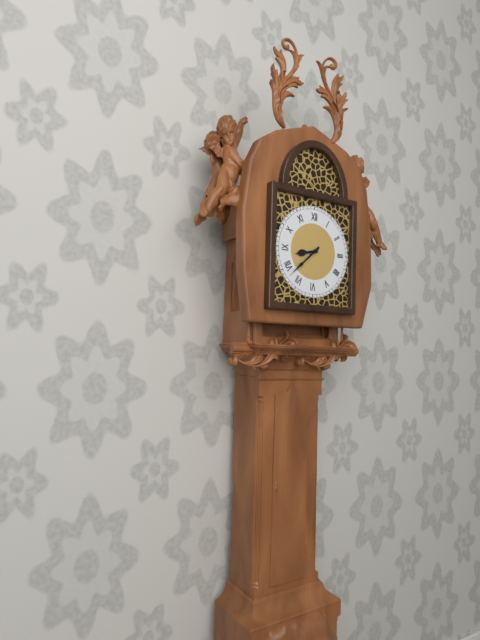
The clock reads **8:38**
